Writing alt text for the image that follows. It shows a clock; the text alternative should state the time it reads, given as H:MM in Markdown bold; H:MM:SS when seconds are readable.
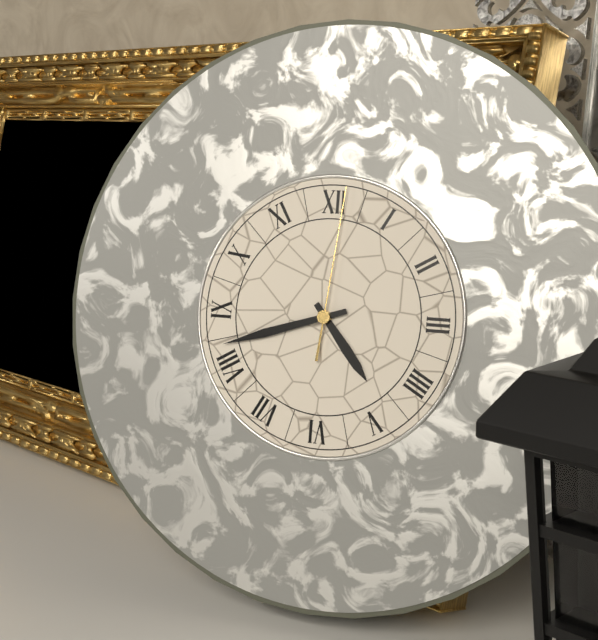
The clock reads **4:42:01**
